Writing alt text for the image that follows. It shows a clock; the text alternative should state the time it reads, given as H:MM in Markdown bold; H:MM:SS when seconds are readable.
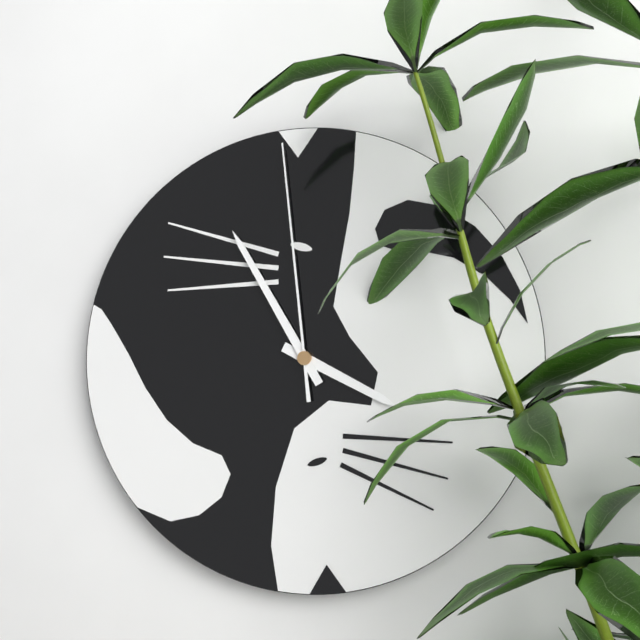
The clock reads **3:55:59**
